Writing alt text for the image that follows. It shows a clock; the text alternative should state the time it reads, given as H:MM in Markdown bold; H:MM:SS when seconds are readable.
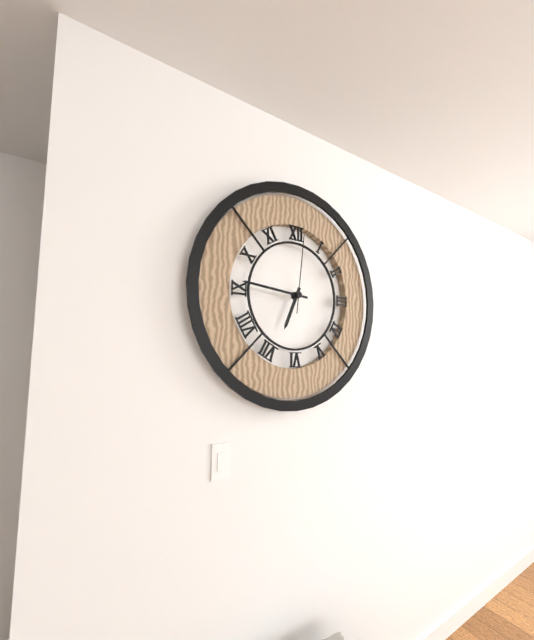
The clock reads **6:46:01**
